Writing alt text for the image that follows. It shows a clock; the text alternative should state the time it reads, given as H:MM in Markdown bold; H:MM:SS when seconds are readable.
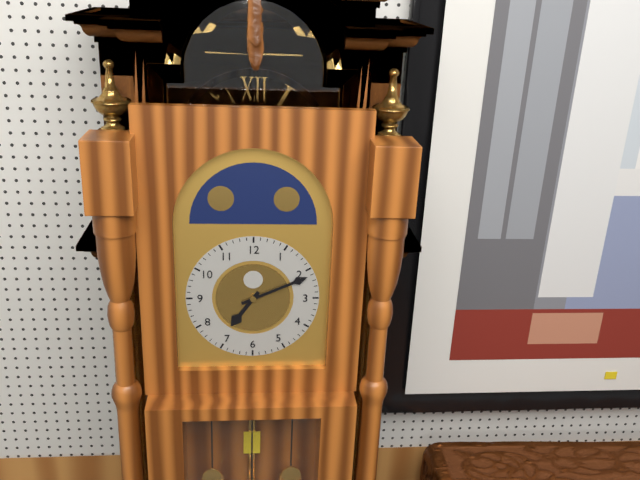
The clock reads **7:11**
